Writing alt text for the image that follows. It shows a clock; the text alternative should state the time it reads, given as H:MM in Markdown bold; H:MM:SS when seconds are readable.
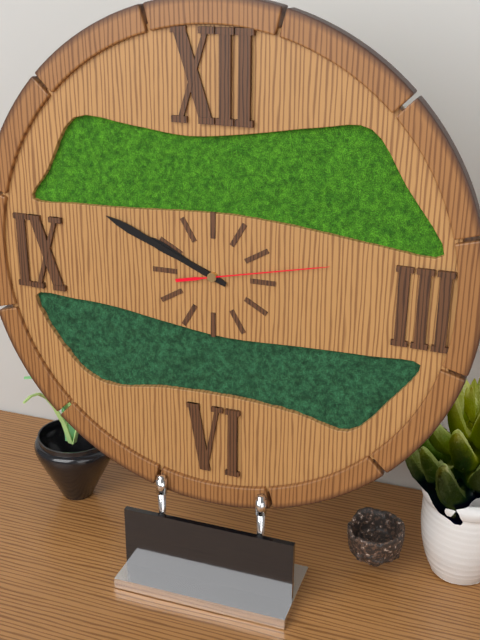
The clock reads **9:49:13**
